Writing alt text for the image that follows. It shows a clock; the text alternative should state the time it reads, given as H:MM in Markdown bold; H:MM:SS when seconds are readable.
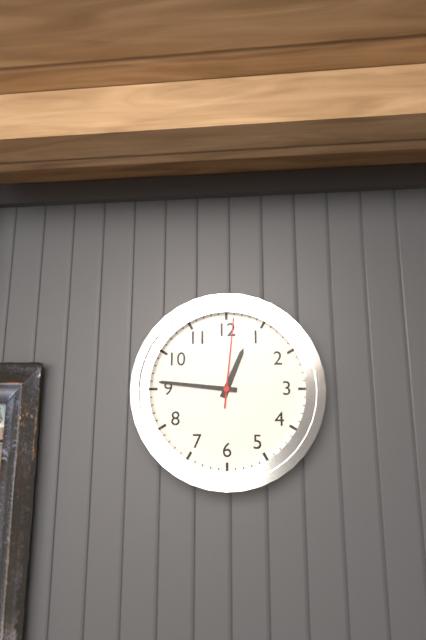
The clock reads **12:46:01**
